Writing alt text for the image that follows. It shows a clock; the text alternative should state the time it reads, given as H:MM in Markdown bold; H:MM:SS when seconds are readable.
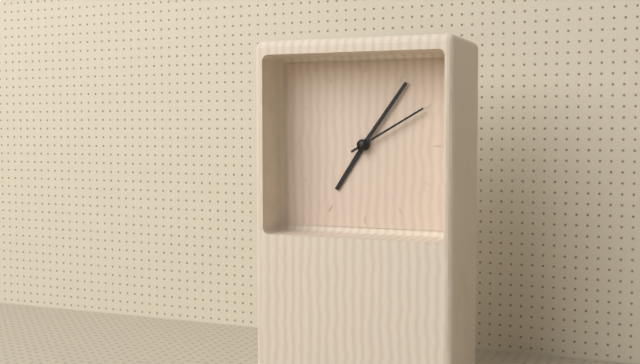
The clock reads **7:06:10**
